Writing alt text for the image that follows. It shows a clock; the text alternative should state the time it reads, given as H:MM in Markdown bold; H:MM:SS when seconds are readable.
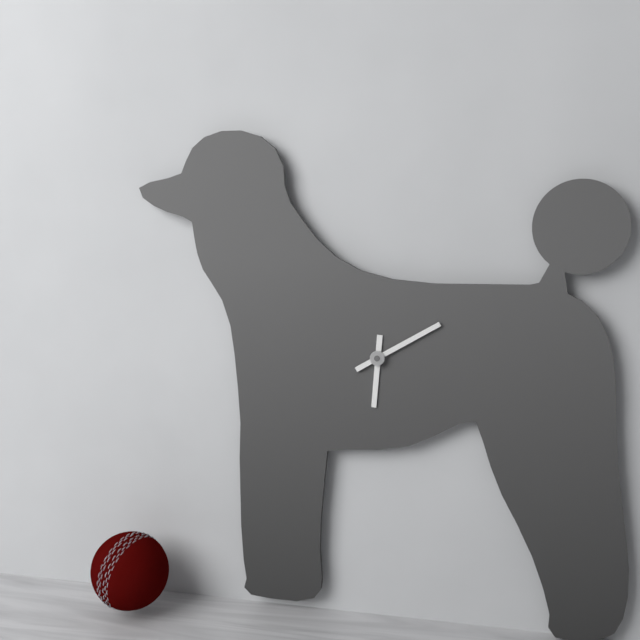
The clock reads **6:10**
